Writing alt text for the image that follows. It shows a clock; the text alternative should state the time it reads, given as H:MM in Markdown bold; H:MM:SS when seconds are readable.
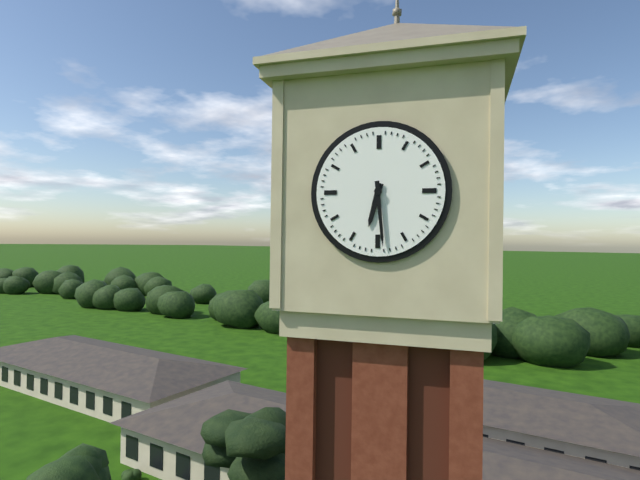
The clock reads **6:29**
